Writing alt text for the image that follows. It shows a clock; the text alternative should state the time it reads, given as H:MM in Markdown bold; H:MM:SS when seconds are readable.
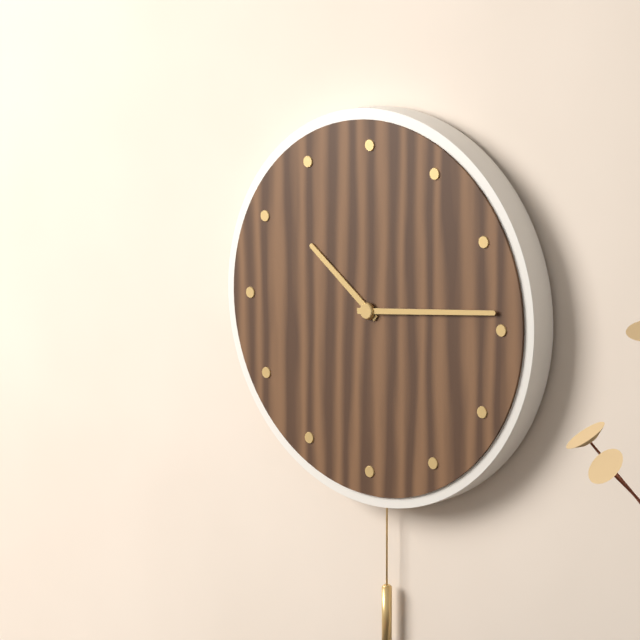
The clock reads **10:14**
